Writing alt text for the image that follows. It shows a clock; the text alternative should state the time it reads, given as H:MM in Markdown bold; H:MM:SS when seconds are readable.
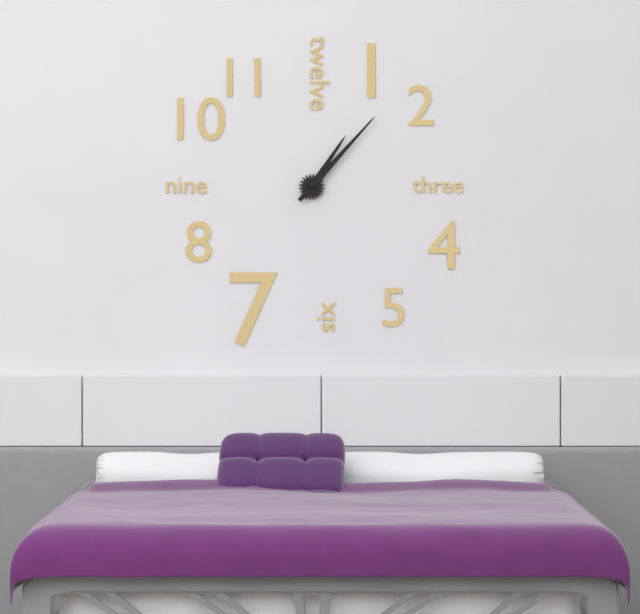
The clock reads **1:07**
